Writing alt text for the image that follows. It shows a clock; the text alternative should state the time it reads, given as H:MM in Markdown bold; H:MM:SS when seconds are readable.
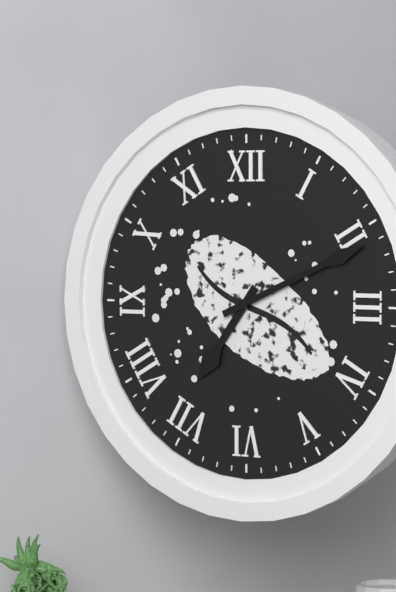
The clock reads **7:11**
